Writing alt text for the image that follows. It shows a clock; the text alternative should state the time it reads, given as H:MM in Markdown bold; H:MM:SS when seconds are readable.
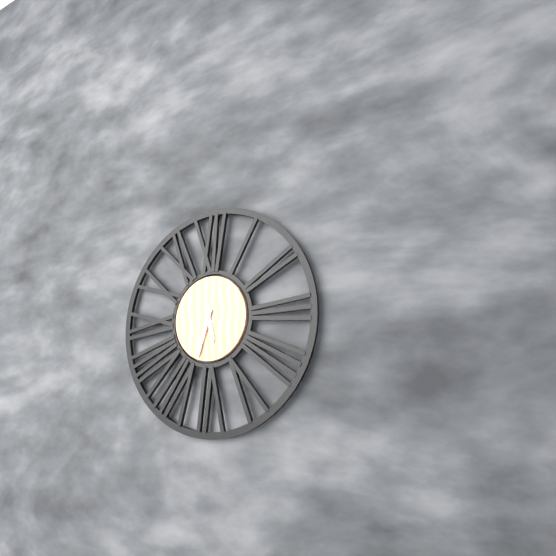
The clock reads **5:33**
